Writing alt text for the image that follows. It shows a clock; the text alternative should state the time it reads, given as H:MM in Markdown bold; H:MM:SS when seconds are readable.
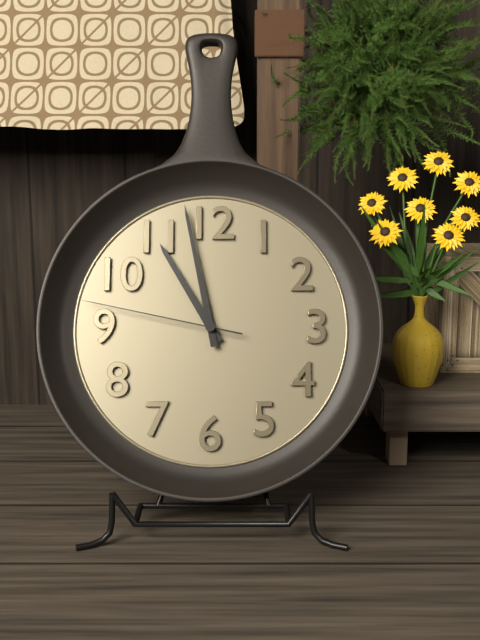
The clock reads **10:58:47**
